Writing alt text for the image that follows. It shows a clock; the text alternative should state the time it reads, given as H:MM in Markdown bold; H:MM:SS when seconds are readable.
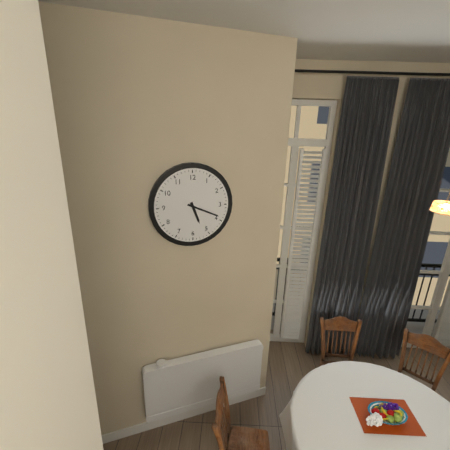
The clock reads **5:19**
